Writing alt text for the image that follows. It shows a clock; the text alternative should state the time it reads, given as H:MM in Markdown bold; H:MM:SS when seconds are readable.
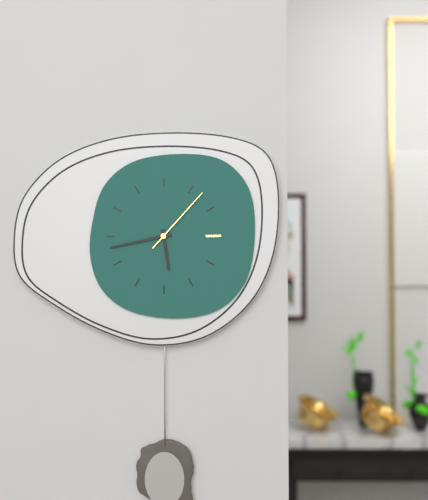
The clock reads **5:43:07**
